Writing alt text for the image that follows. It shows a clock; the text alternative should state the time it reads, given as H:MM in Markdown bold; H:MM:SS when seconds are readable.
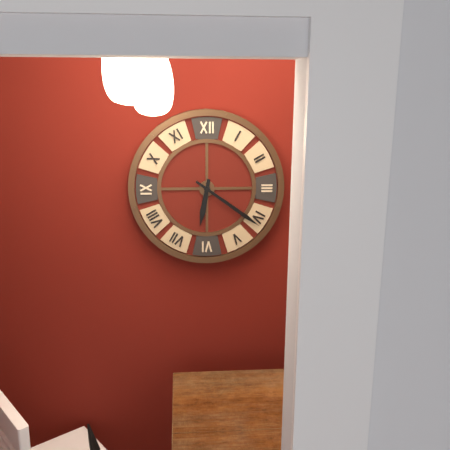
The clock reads **6:21**
